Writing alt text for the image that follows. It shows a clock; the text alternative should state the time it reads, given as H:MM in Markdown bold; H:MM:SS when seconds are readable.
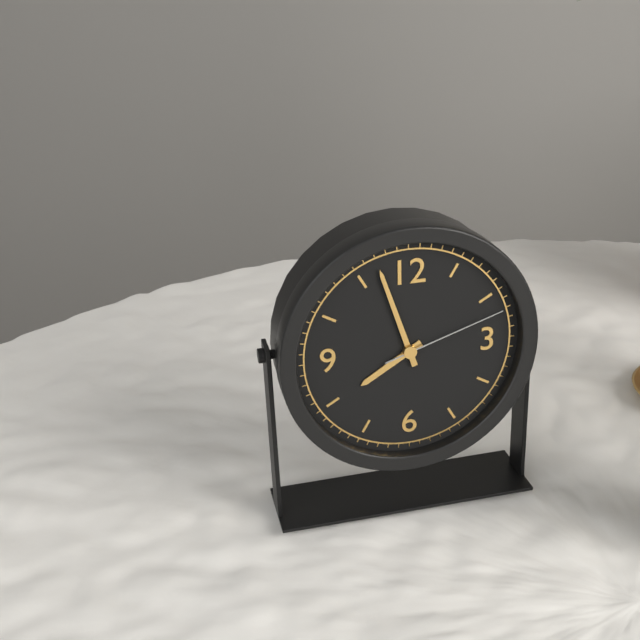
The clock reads **7:57:12**
